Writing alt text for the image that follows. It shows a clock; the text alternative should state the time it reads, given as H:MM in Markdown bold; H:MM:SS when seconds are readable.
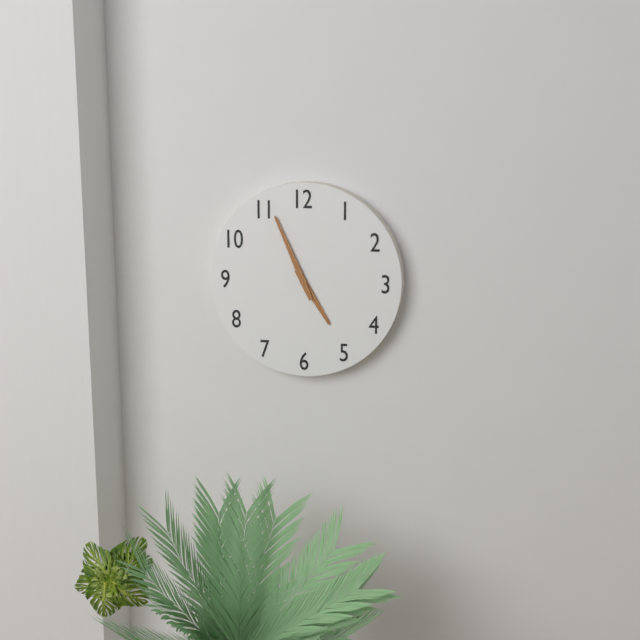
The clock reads **4:56**
